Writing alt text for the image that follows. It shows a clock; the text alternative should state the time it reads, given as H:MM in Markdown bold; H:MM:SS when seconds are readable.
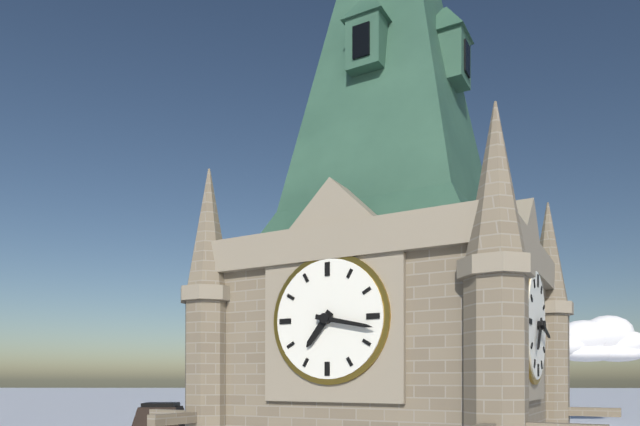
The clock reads **7:17**
